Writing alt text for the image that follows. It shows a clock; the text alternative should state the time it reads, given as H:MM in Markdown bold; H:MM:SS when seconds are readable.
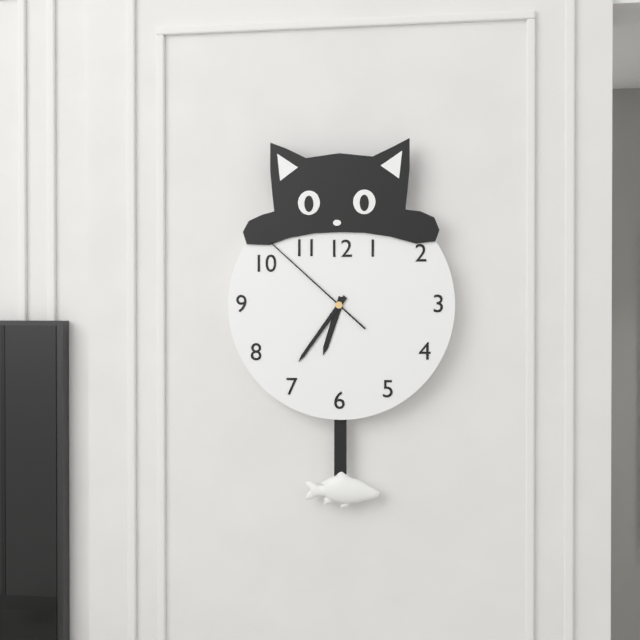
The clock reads **6:36:52**
